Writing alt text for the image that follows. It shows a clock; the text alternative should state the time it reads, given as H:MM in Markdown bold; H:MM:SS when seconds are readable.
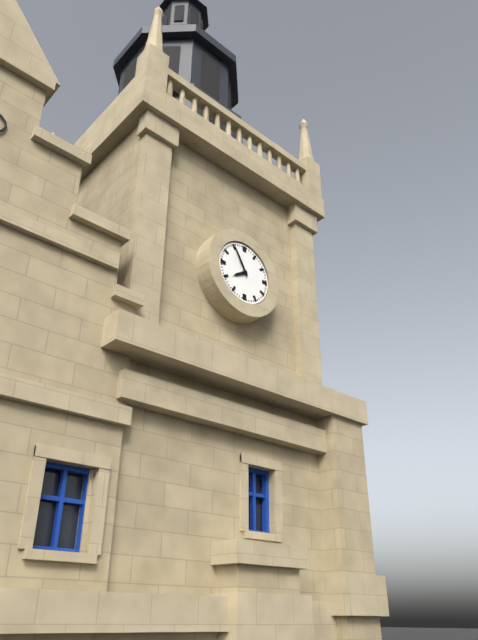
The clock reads **7:55**
